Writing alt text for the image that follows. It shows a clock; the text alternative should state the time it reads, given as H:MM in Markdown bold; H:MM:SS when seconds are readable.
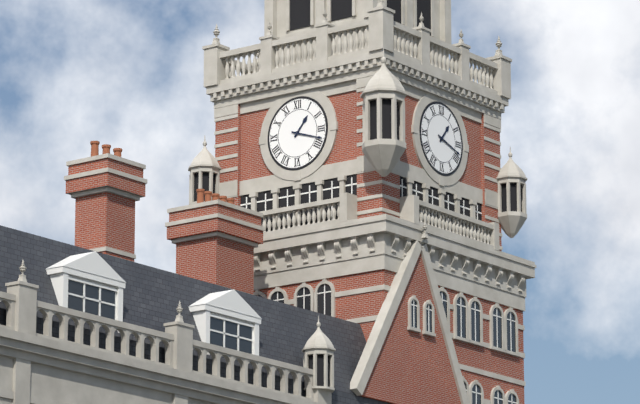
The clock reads **1:18**
